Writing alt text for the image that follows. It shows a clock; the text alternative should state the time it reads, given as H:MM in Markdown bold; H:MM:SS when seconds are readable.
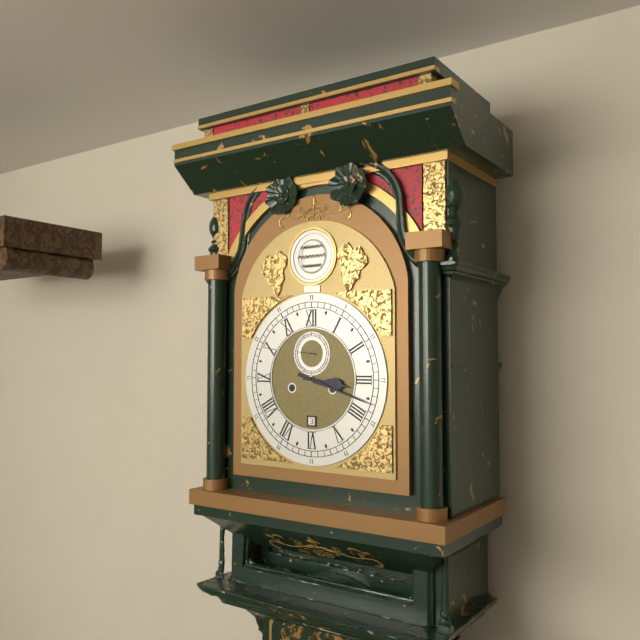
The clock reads **3:18**
